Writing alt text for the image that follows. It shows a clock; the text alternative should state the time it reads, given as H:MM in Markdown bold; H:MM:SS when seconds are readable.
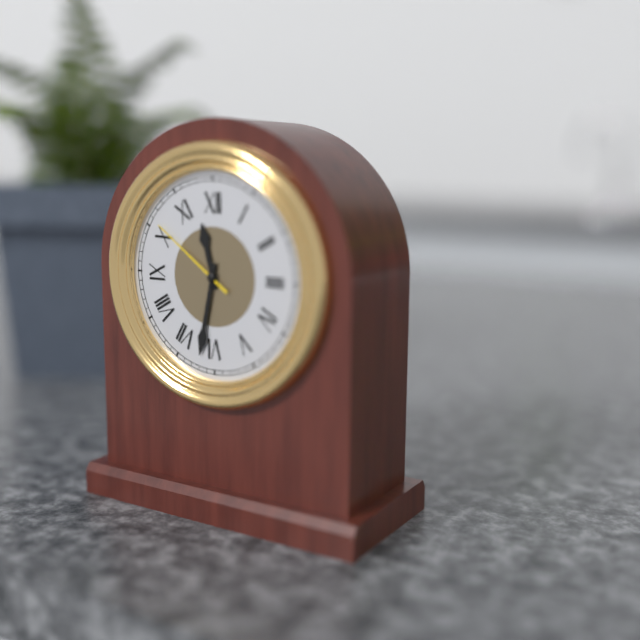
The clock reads **11:32:51**
